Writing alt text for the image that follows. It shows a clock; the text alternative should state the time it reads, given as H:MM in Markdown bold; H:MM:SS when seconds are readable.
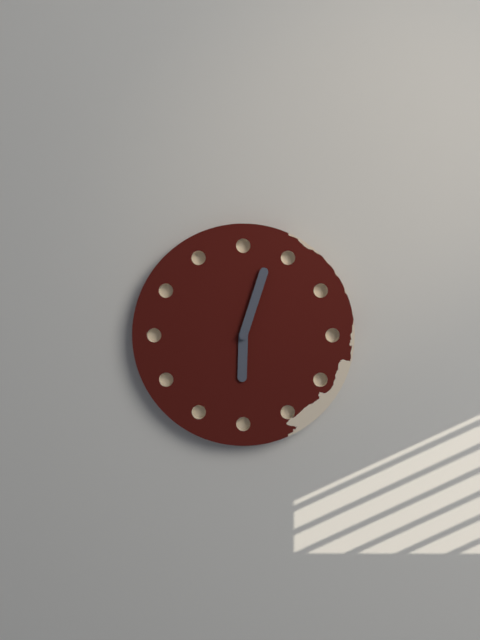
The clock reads **6:03**
